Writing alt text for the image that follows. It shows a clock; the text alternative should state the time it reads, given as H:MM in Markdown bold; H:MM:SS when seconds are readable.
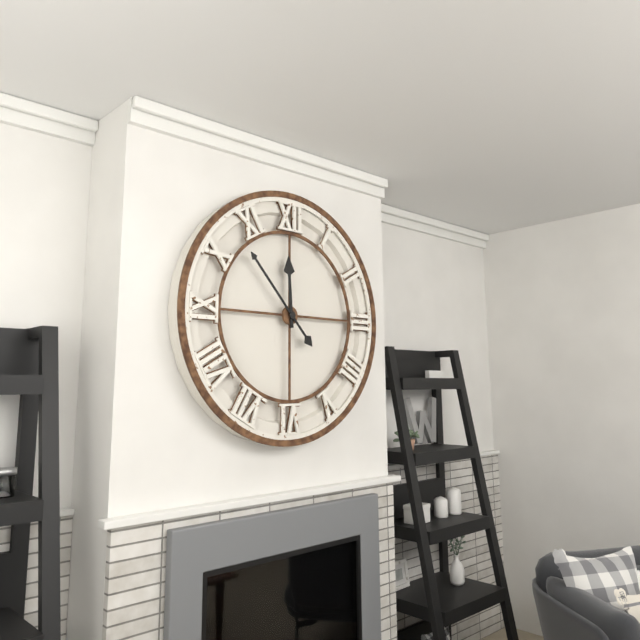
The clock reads **11:53**
